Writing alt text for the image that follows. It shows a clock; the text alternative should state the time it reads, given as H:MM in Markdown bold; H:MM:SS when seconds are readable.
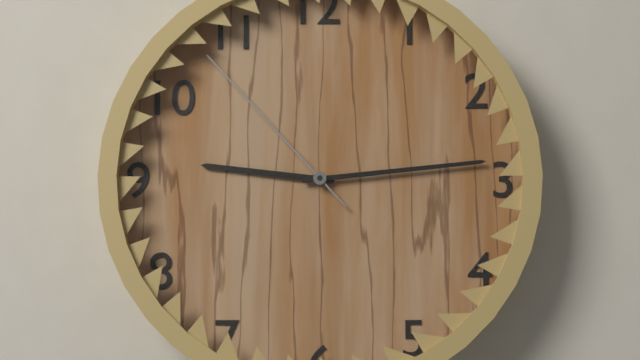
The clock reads **9:14:53**
